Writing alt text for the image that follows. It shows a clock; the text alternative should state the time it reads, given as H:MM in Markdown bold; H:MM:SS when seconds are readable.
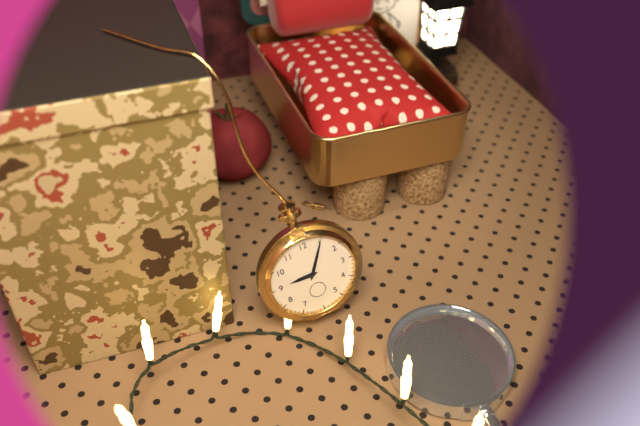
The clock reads **9:05**
